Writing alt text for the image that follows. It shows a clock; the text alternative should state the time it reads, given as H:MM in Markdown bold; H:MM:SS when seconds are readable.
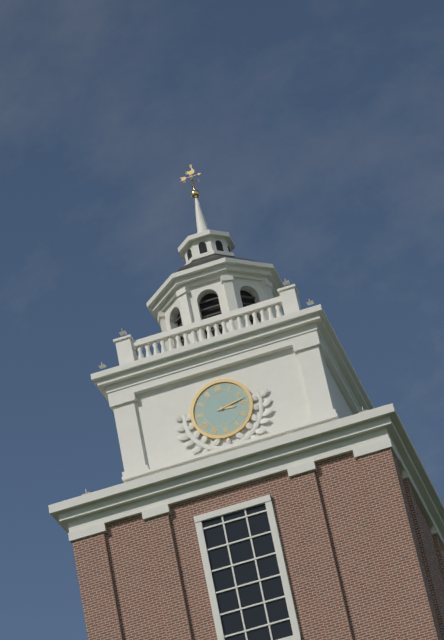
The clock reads **3:13**
